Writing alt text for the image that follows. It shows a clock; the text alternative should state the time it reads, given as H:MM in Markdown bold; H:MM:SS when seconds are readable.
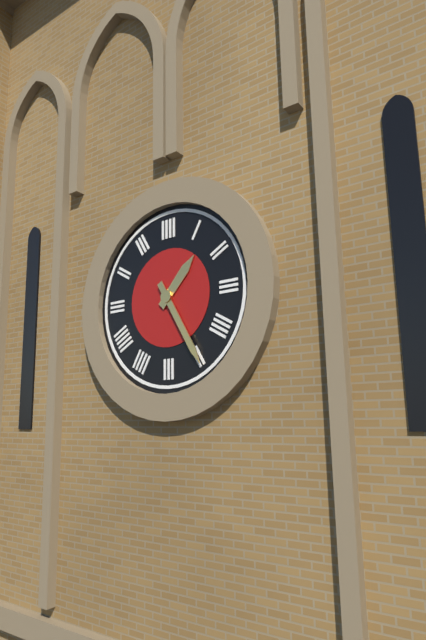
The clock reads **1:25**
